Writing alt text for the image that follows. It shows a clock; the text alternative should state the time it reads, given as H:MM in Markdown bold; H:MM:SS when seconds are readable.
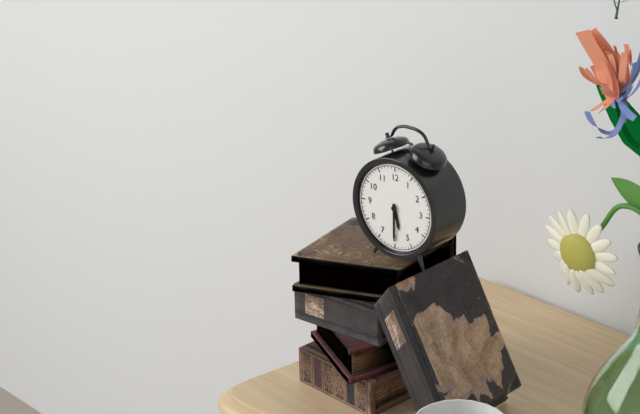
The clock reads **5:30**
